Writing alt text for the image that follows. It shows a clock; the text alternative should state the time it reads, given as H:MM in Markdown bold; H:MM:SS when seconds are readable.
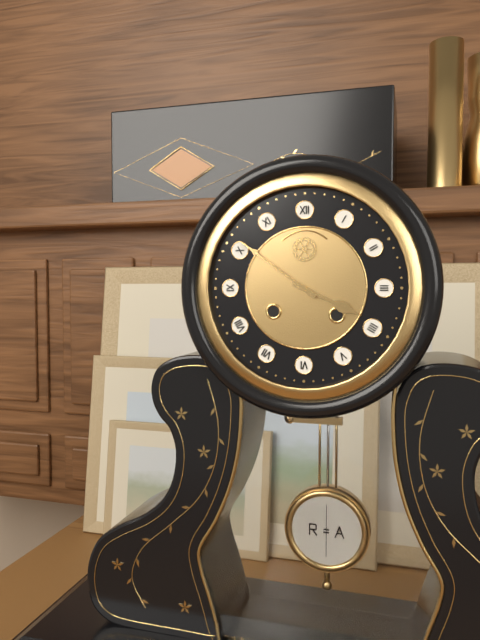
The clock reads **3:51**
